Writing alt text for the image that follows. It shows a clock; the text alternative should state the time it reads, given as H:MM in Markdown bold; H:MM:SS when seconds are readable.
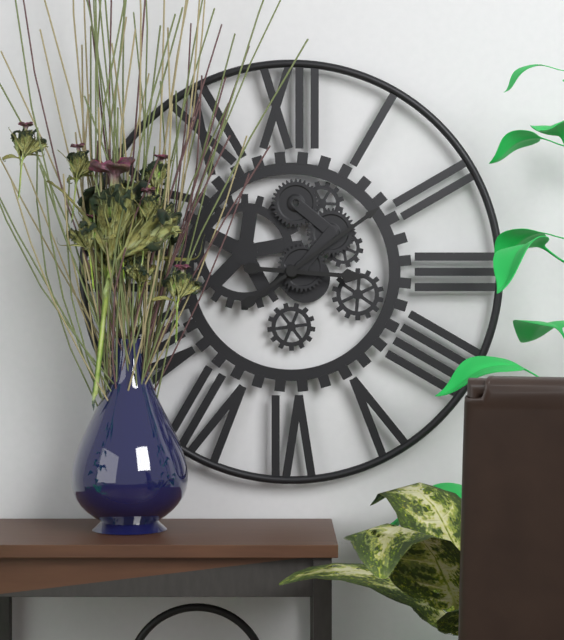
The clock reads **3:09**
